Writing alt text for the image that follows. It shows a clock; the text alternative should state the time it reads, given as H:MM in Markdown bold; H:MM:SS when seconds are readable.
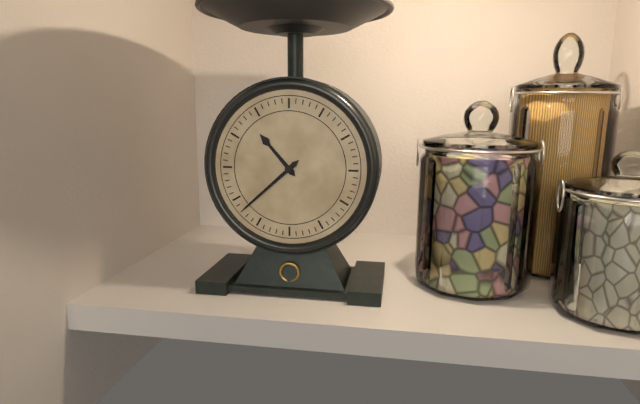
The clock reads **10:38**
